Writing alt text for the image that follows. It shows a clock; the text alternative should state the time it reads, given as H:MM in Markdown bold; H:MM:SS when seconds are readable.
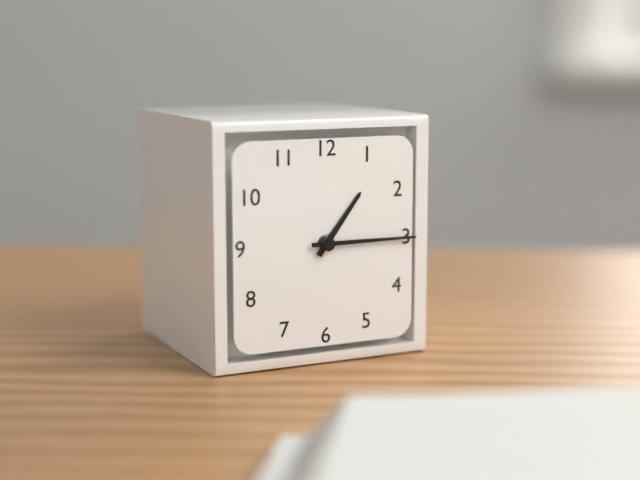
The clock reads **1:15**
